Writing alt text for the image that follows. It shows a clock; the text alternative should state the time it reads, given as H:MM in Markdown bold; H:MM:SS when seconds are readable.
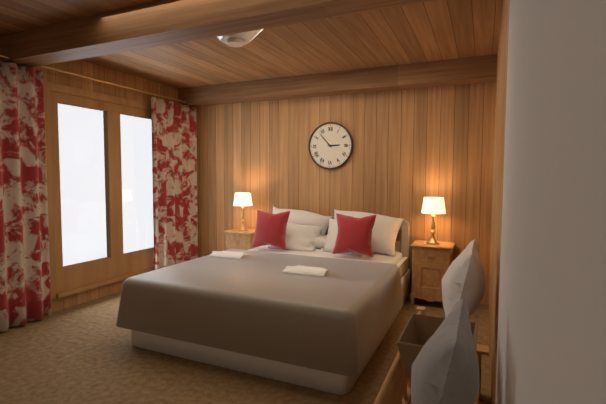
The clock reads **2:53**
